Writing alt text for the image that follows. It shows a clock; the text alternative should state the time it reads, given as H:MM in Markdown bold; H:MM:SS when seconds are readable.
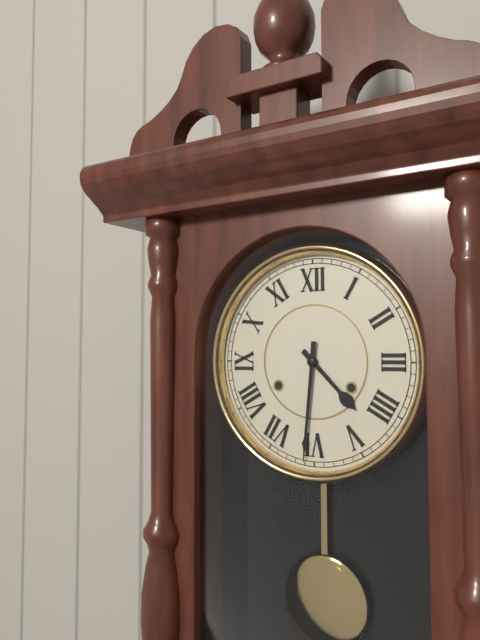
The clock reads **4:31**
